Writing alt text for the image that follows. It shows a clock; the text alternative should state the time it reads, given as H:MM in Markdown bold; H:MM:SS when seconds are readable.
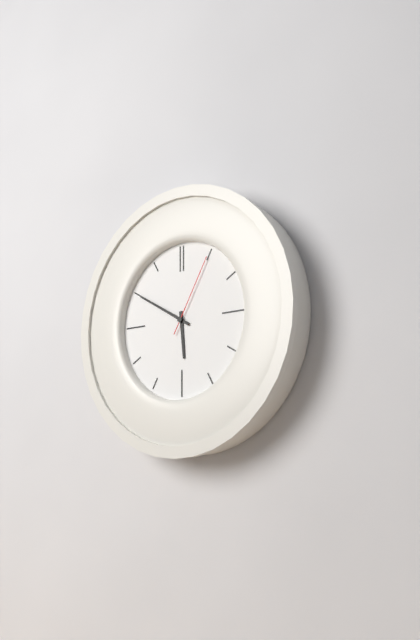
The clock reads **5:50:05**
